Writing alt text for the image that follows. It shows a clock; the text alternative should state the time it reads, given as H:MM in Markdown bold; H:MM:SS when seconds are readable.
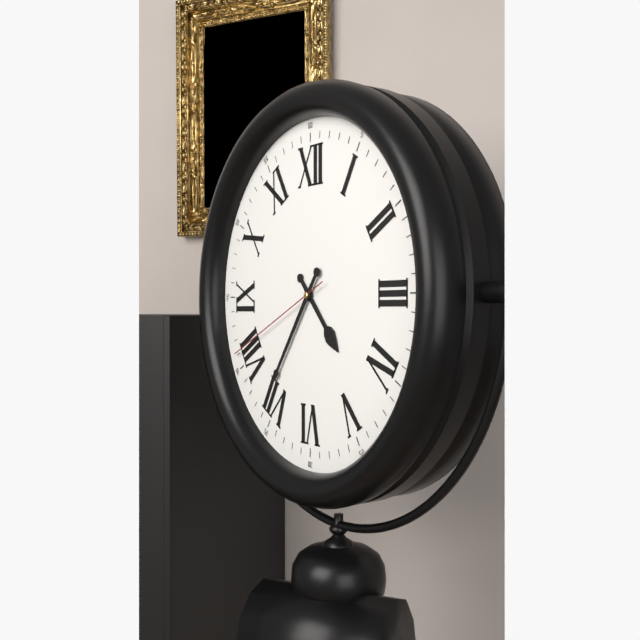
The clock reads **4:36:41**
